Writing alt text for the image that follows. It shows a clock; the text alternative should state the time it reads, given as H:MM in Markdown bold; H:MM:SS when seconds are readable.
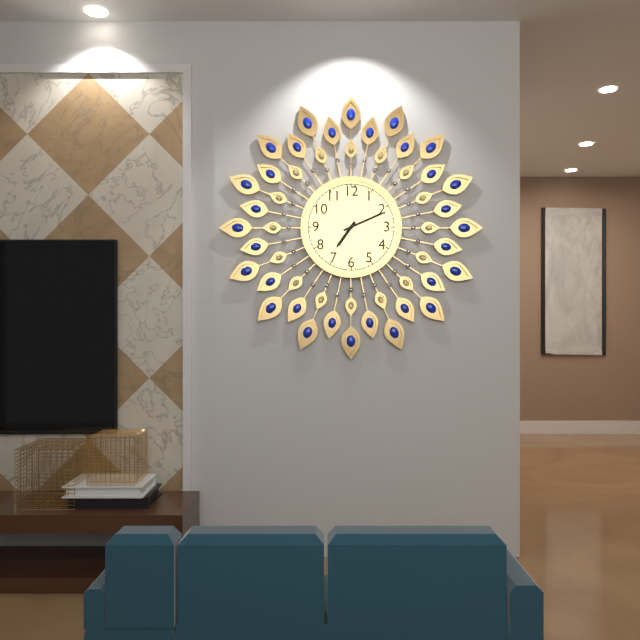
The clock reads **7:11**
